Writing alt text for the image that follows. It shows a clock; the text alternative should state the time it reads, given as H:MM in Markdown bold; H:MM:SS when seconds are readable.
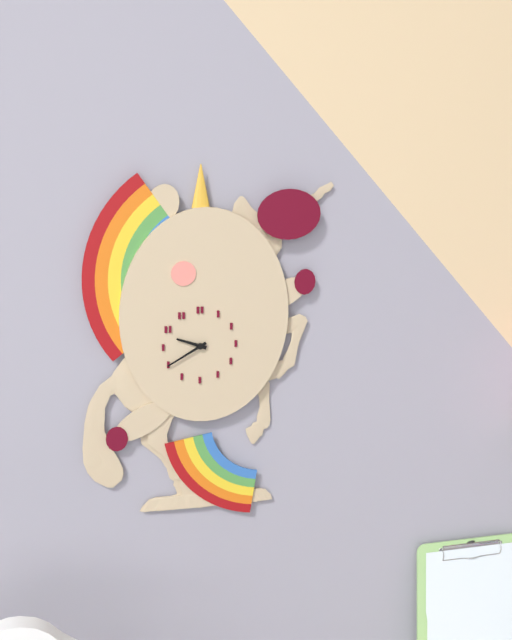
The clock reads **9:40**
